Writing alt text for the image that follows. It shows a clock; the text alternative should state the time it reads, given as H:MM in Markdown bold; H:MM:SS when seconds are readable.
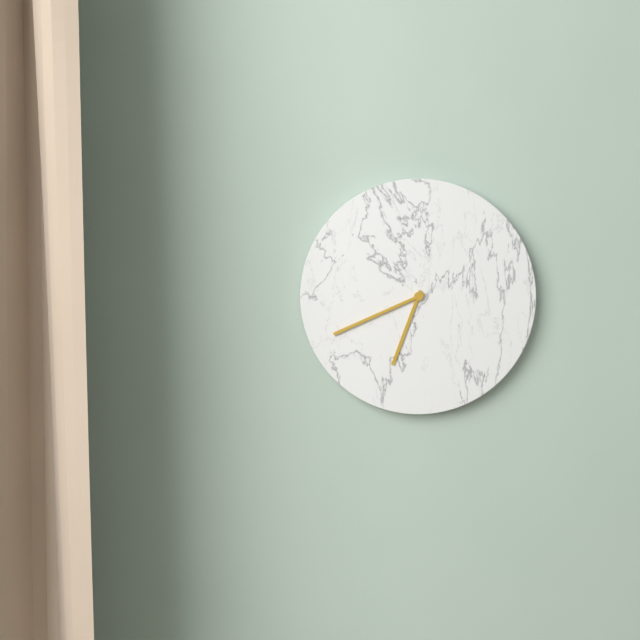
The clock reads **6:41**
